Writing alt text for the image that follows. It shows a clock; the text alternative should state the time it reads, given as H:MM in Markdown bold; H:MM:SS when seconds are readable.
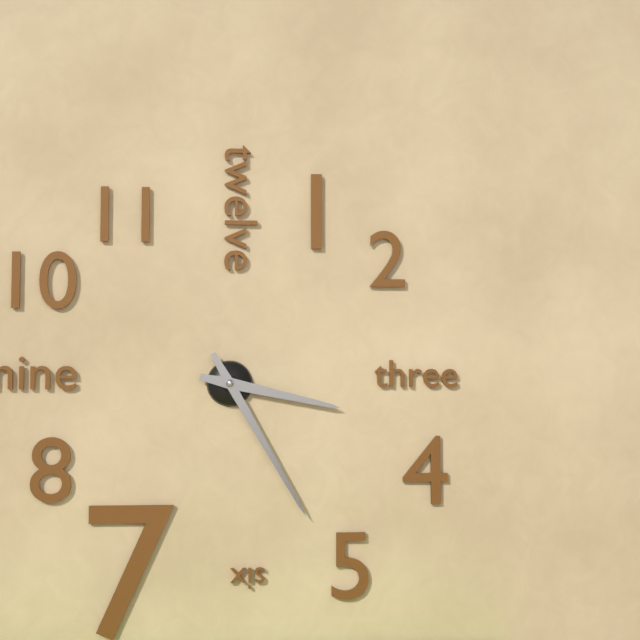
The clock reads **3:25**
